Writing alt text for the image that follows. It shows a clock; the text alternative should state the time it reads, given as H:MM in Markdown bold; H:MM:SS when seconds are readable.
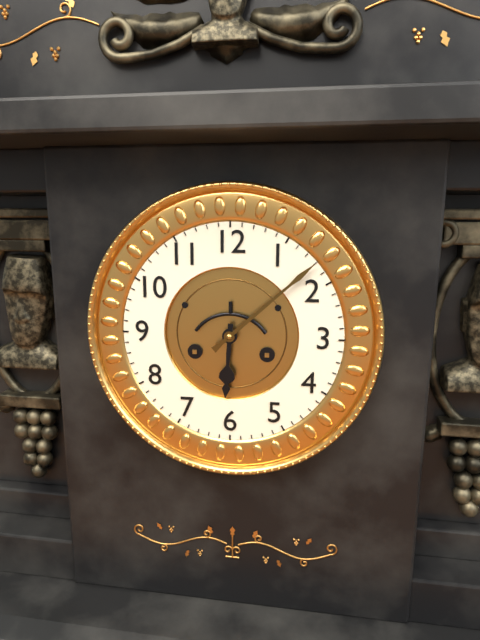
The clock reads **6:08**
